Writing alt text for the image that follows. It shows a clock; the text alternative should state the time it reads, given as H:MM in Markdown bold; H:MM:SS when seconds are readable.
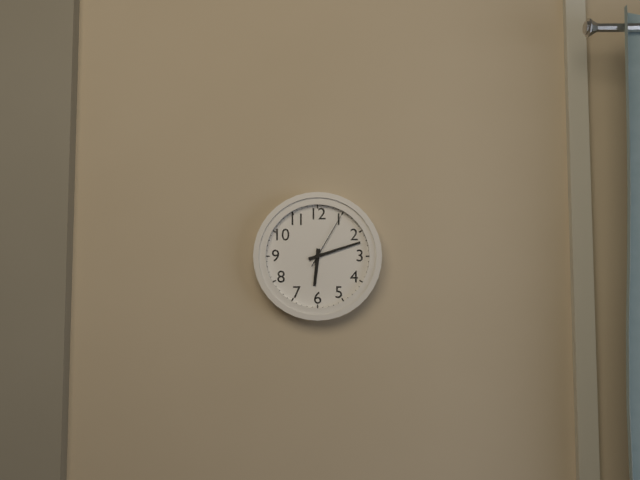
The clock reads **6:12:05**
